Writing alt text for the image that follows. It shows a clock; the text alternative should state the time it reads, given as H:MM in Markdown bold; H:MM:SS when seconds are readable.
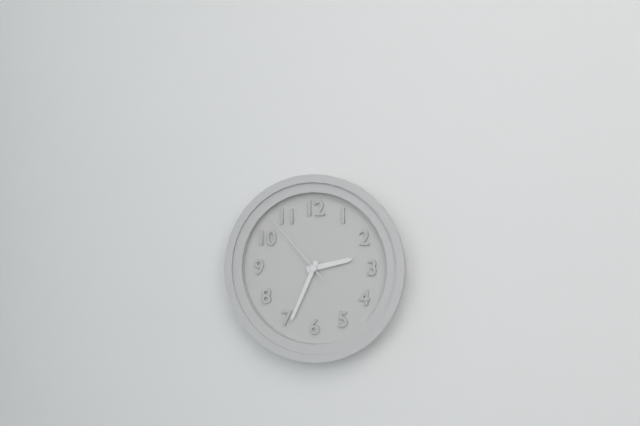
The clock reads **2:34:53**
